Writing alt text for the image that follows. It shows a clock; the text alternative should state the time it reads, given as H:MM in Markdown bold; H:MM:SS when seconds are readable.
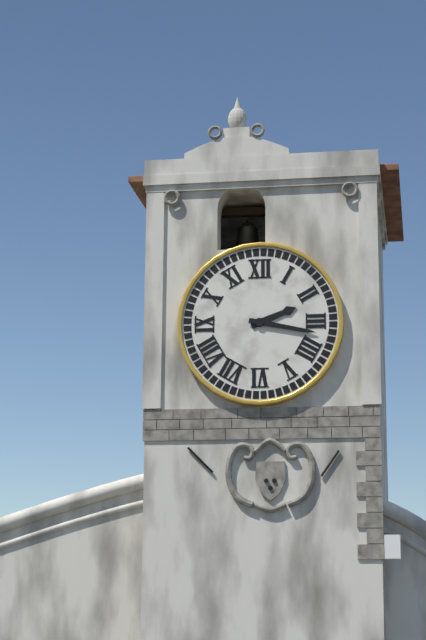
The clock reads **2:17**
